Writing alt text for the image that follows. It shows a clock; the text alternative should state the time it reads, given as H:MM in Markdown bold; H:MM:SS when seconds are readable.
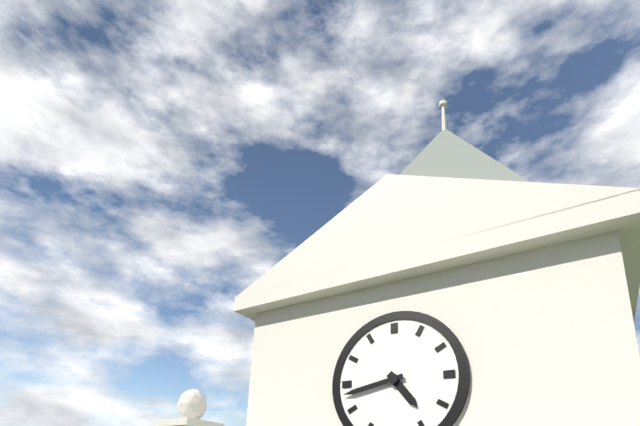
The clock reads **4:43**
